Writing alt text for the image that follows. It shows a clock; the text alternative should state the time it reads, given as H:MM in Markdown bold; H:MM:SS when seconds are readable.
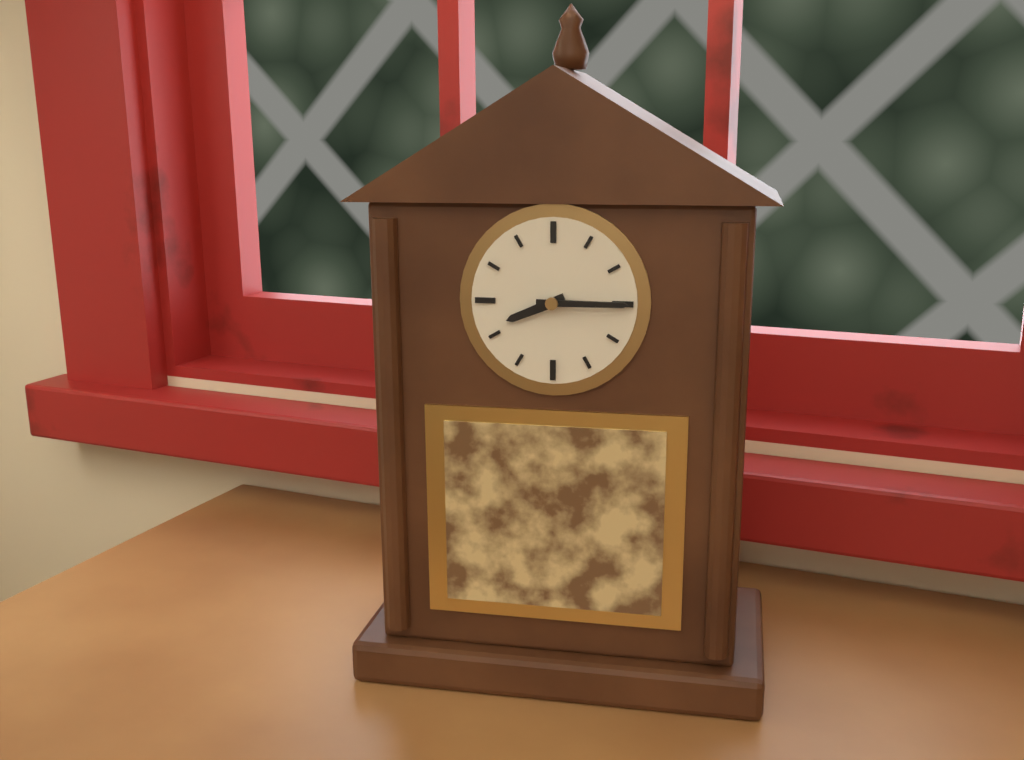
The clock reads **8:15**
